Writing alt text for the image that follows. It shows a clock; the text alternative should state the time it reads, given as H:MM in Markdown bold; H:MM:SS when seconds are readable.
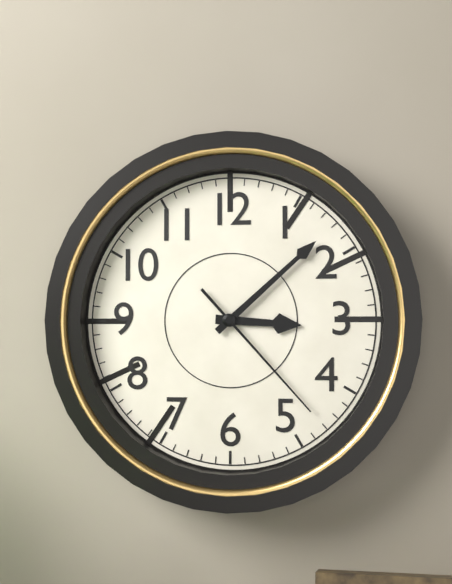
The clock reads **3:08:23**
